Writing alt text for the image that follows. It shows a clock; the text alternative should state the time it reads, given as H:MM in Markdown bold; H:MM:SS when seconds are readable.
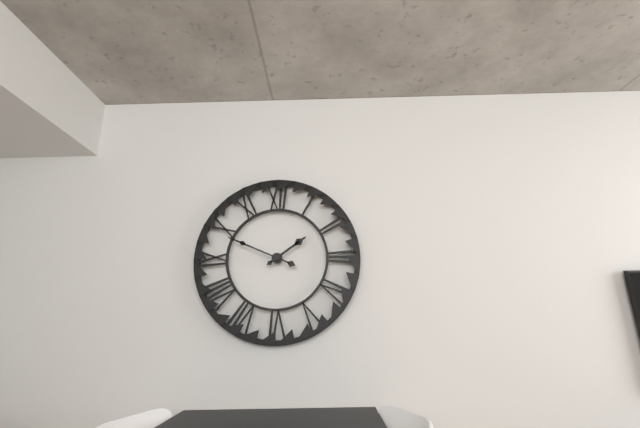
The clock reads **1:49**
